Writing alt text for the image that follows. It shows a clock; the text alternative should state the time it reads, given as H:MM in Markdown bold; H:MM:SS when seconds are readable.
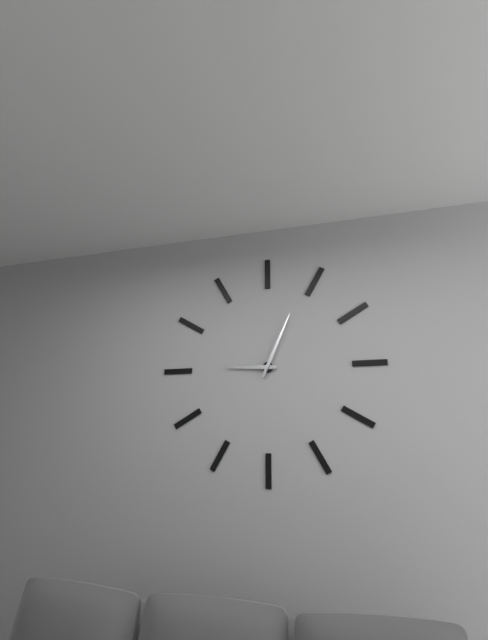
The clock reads **9:04**
